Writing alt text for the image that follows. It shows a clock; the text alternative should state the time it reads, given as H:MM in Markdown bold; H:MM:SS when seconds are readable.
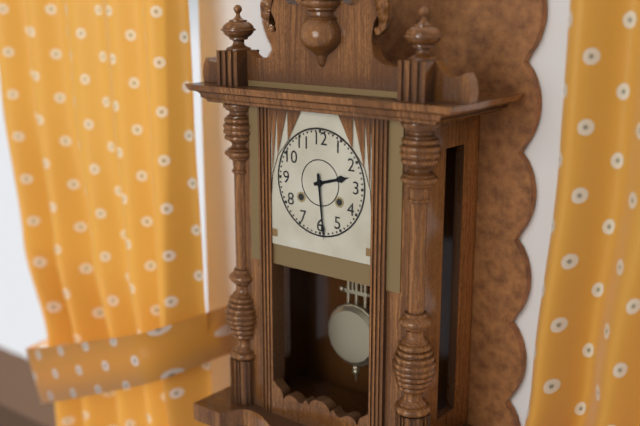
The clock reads **2:29**
